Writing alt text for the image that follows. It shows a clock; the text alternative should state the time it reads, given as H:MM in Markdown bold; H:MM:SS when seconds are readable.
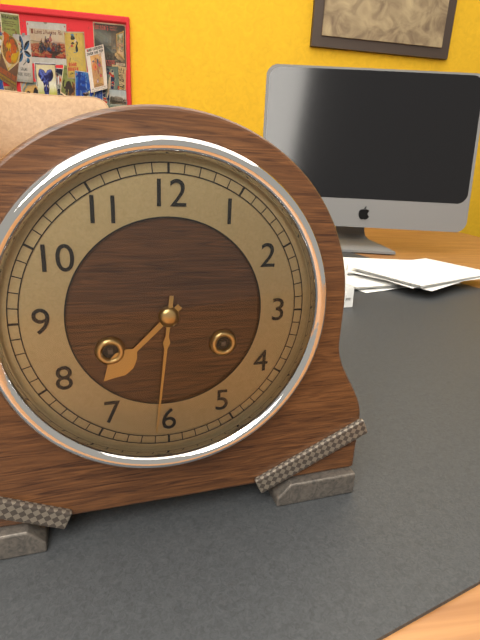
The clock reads **7:31**
